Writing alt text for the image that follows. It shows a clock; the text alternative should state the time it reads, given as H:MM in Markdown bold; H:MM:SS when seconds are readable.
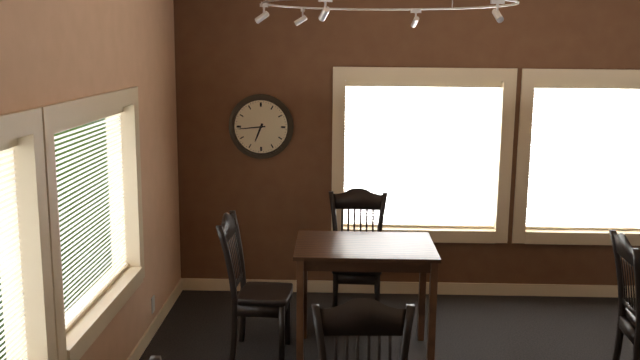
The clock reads **6:44**
